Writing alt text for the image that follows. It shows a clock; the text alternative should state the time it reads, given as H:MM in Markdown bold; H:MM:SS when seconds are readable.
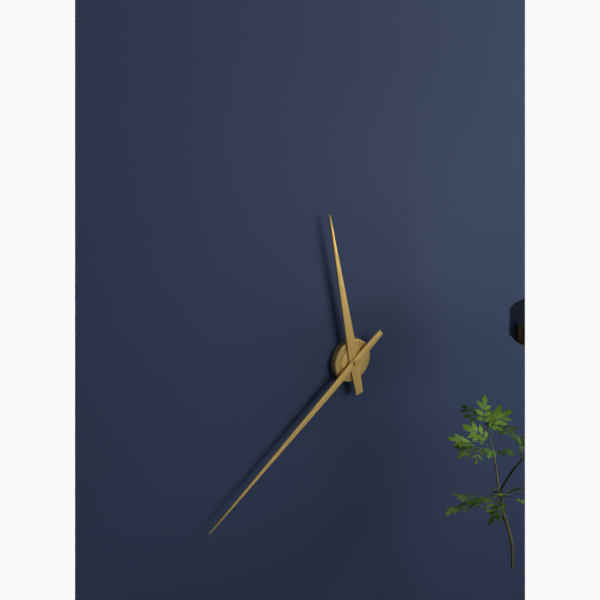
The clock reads **11:39**
